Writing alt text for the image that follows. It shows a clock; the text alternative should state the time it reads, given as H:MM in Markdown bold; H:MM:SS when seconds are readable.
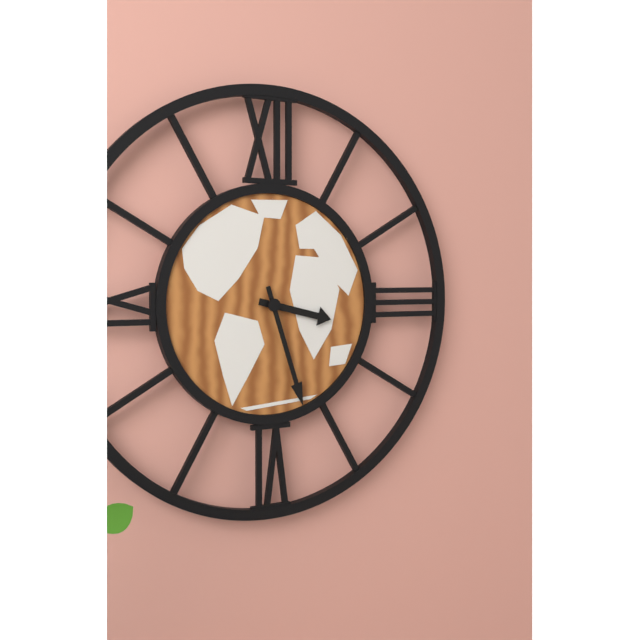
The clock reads **3:27**
